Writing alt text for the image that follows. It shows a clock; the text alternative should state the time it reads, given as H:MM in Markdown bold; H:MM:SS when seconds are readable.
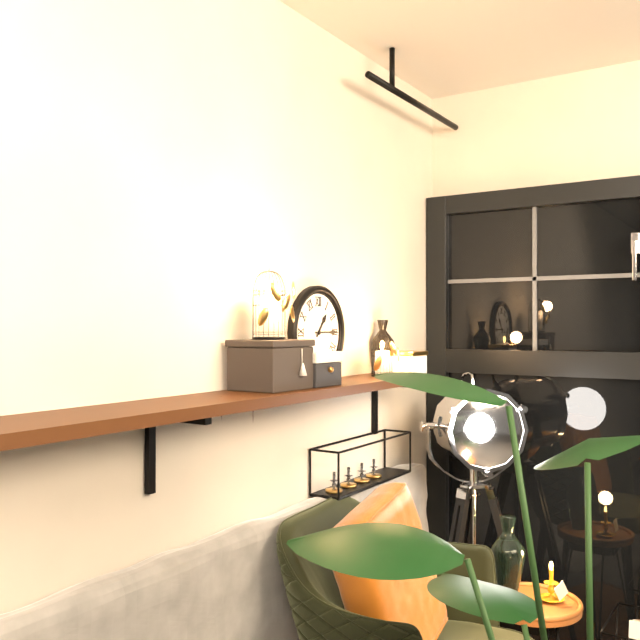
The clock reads **1:15**
